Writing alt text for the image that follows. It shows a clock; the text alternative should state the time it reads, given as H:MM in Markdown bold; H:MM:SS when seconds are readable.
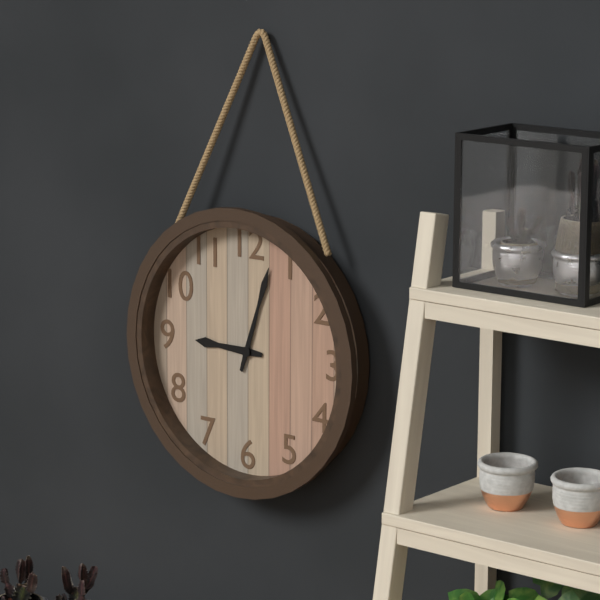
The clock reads **9:03**
